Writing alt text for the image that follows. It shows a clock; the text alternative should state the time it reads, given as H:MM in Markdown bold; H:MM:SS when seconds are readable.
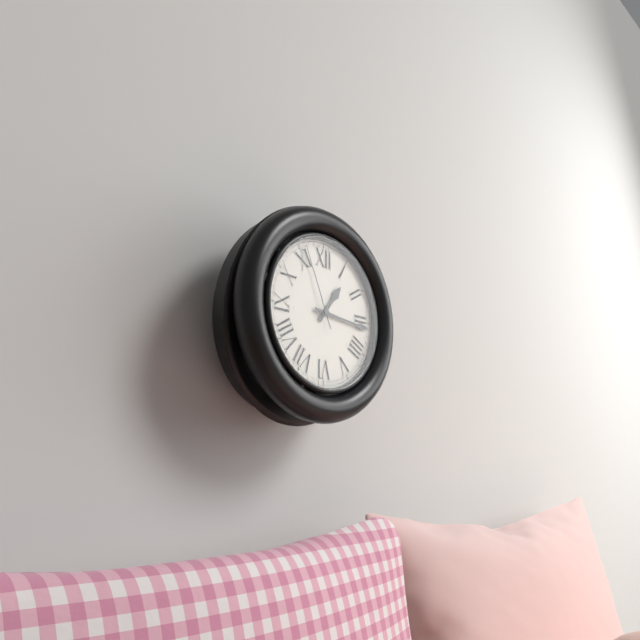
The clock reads **1:16:56**
